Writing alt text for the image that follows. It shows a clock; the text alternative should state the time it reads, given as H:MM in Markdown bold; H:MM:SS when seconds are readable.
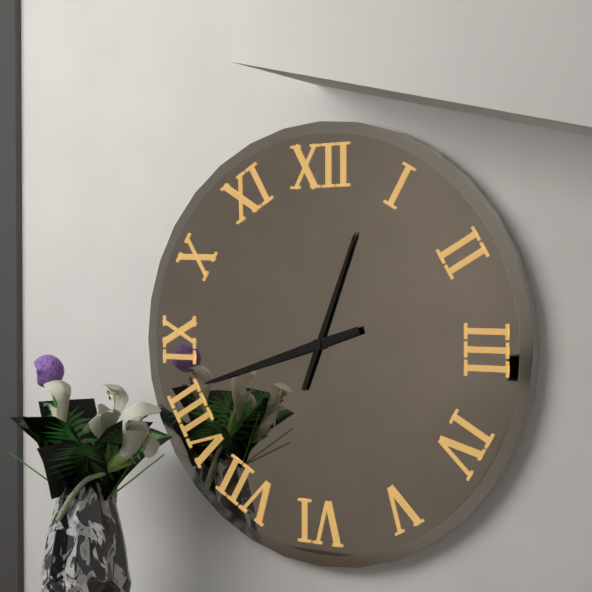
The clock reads **12:42**
